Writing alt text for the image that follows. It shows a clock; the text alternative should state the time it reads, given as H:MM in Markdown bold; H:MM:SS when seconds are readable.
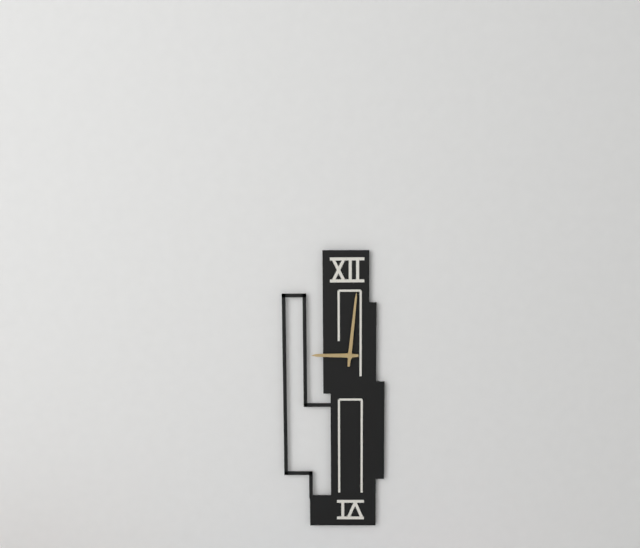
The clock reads **9:01**
